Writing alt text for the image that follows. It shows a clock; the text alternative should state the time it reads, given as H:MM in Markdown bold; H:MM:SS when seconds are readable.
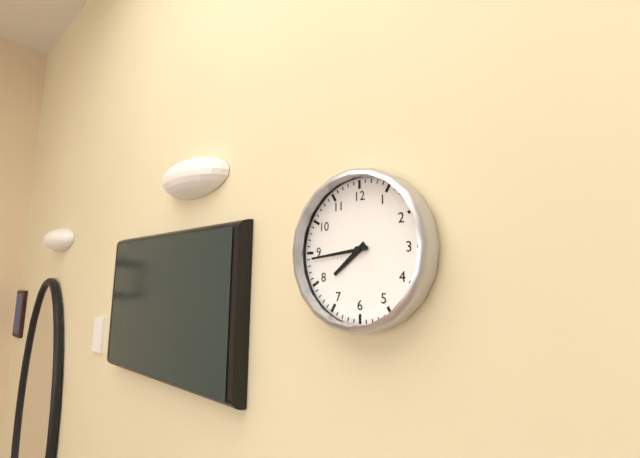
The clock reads **7:44**
